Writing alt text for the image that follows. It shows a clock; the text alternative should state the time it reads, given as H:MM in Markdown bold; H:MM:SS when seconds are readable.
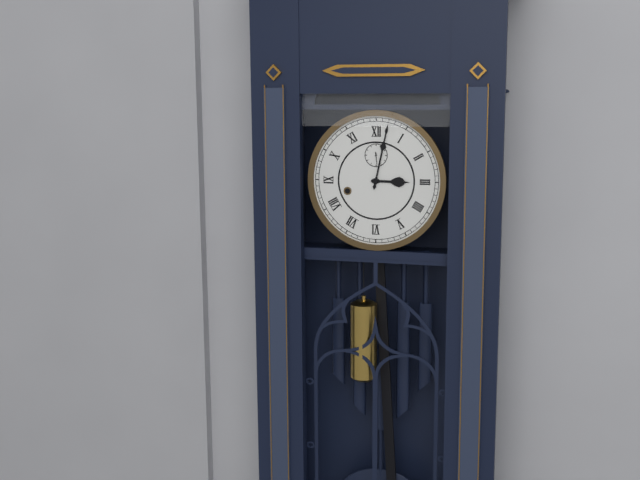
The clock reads **3:02**
